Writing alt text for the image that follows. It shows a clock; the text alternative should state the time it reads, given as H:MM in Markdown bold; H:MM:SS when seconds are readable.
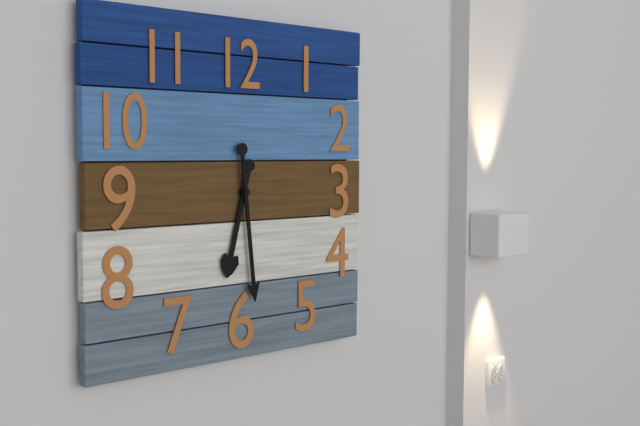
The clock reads **6:29**
